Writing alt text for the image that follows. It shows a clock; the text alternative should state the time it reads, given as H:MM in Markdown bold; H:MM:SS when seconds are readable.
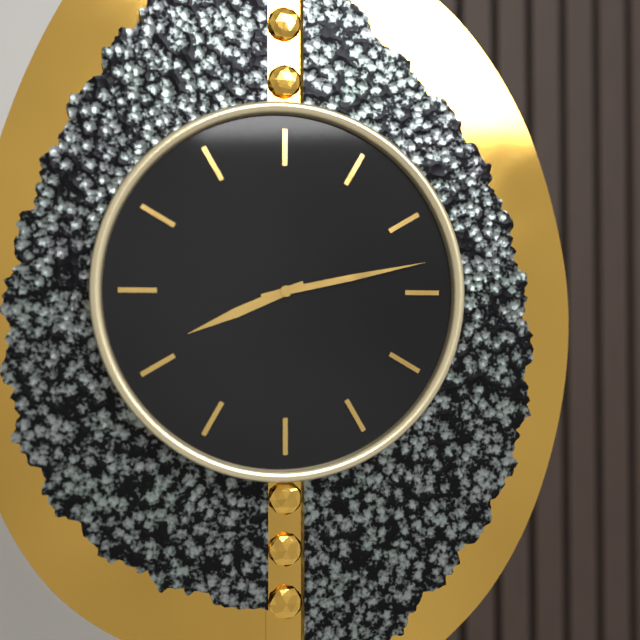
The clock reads **8:13**
